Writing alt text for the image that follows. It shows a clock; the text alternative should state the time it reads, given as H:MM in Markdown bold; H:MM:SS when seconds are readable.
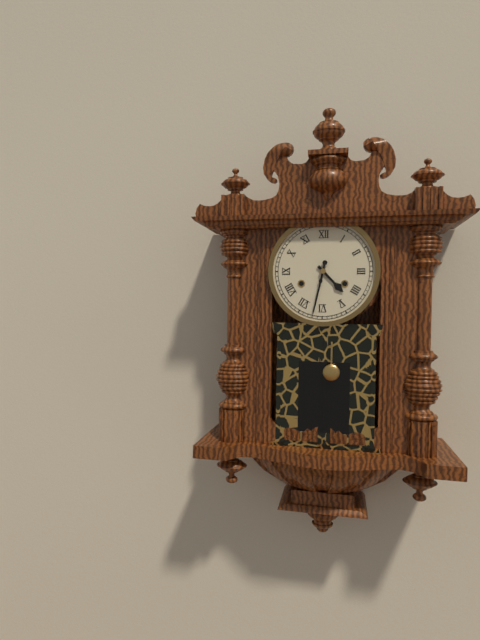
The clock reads **4:32**
